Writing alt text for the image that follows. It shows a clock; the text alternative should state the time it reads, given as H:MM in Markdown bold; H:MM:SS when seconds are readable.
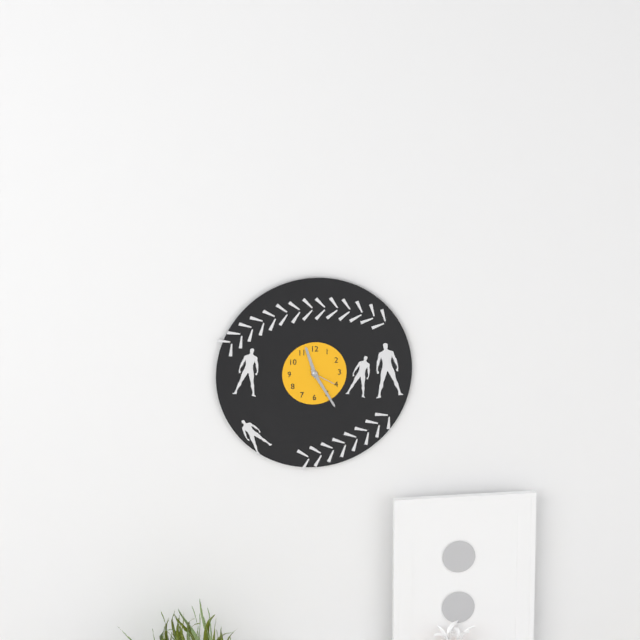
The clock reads **11:25**
